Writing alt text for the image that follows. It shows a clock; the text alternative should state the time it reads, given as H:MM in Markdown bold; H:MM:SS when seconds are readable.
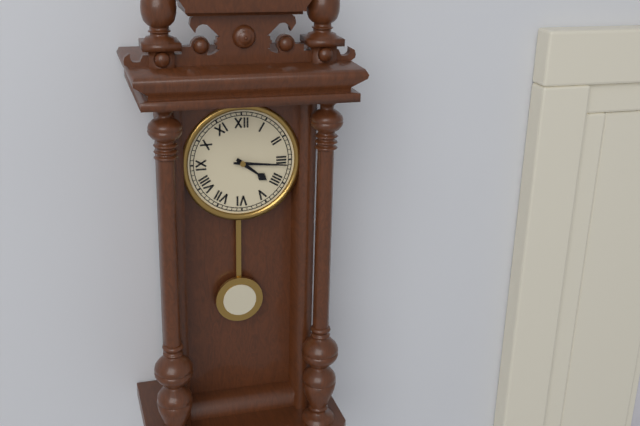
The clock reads **4:16**
